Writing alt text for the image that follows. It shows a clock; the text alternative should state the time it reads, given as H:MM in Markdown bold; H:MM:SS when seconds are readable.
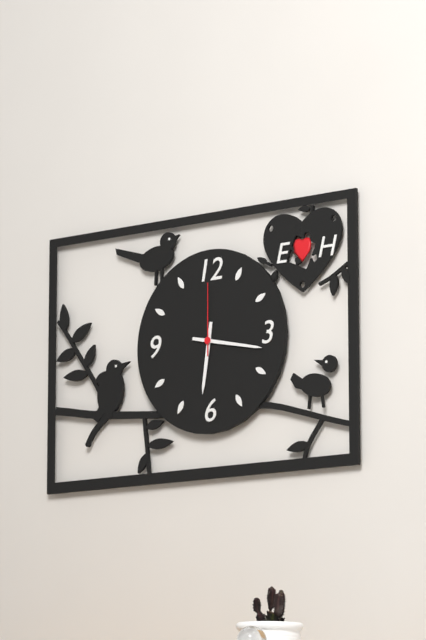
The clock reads **6:17:00**
